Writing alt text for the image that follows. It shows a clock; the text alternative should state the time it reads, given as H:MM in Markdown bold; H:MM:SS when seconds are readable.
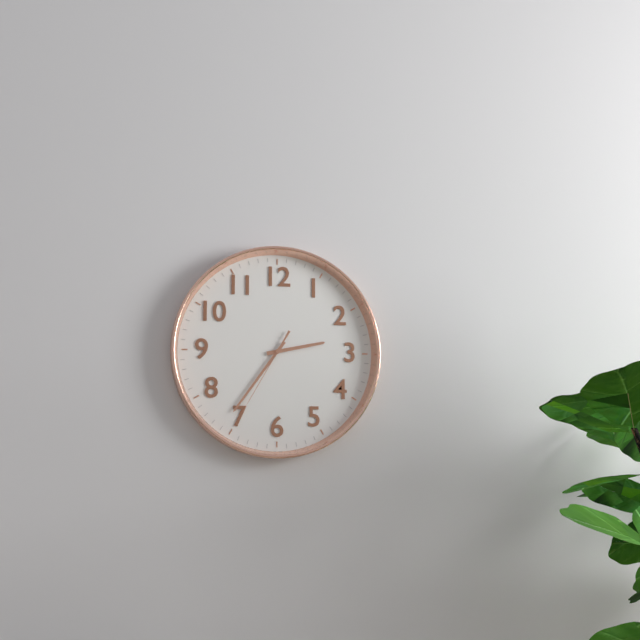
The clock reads **2:36:35**
